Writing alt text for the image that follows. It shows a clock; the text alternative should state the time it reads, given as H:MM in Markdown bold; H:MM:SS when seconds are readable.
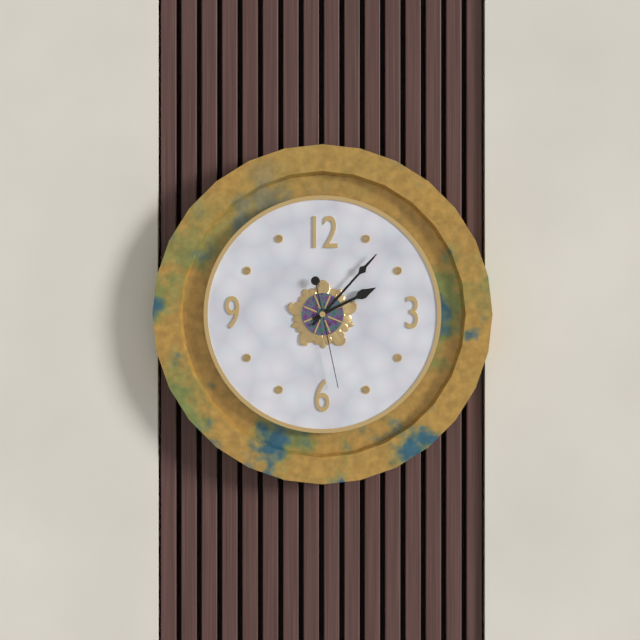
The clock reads **2:07:28**
